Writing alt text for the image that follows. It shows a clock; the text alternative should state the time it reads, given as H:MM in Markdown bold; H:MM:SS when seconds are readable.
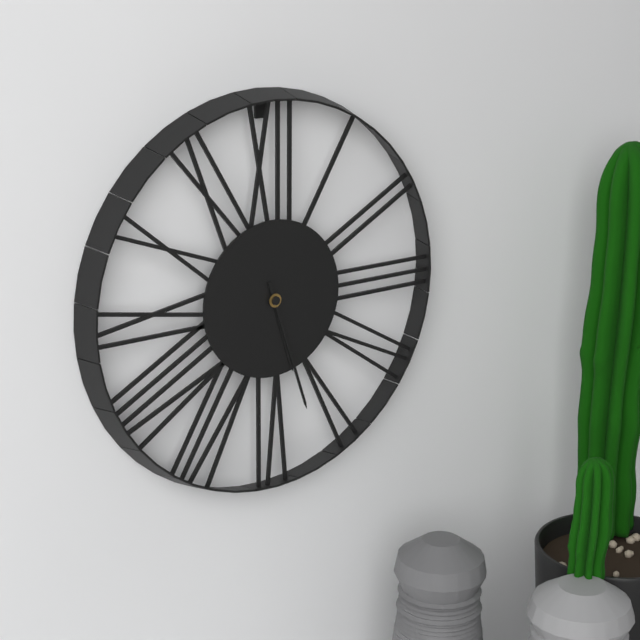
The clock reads **5:27**
